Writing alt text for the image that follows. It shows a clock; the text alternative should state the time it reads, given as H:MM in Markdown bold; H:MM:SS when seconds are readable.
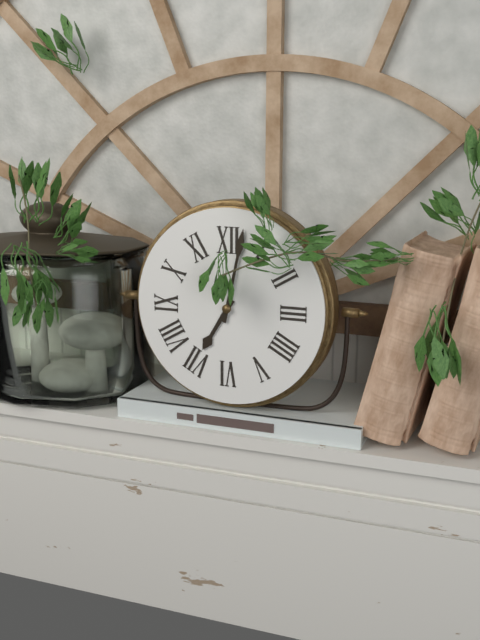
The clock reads **7:02**
